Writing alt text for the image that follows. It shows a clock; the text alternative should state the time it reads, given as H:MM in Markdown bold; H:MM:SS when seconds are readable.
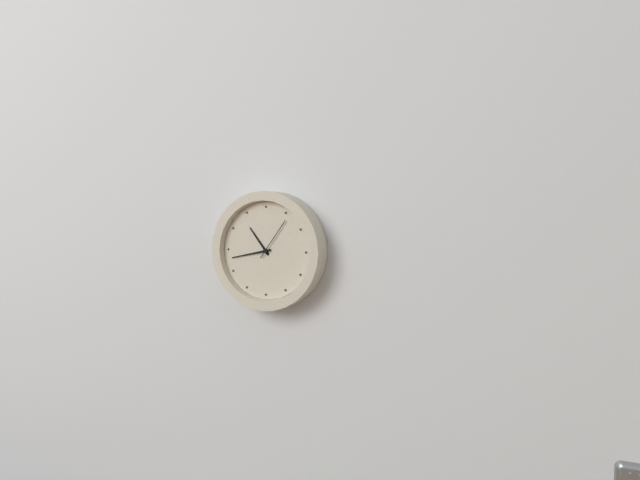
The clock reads **10:43**
